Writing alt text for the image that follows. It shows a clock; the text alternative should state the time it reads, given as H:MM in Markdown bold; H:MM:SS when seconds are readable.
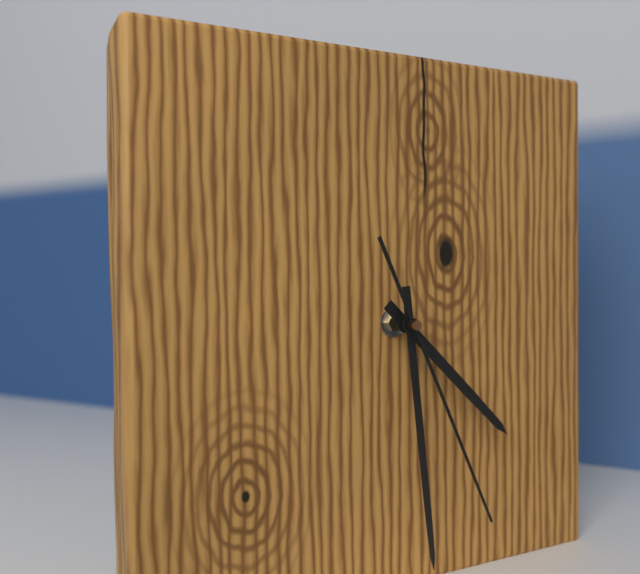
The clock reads **4:29:26**
